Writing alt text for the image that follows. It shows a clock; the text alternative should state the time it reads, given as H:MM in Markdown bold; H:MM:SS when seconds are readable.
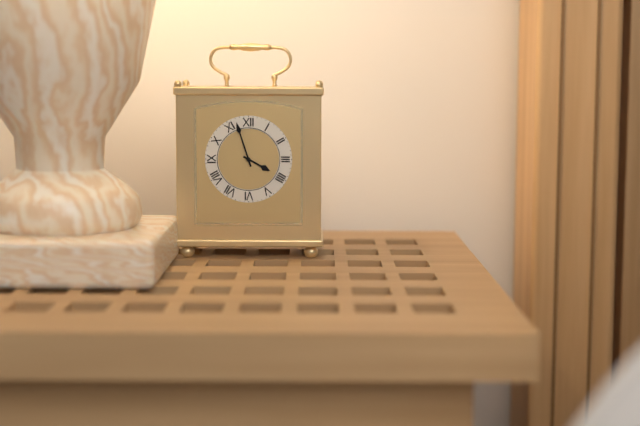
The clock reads **3:57**
